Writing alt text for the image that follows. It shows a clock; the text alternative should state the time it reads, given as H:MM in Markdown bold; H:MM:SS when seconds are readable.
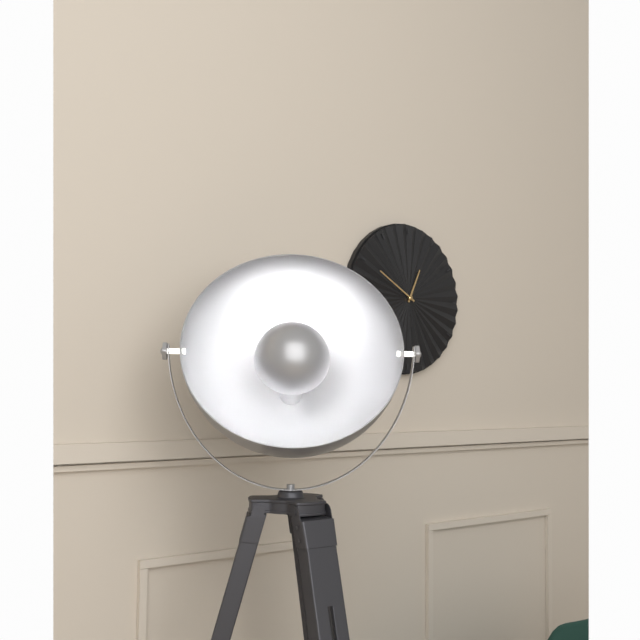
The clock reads **12:50**
